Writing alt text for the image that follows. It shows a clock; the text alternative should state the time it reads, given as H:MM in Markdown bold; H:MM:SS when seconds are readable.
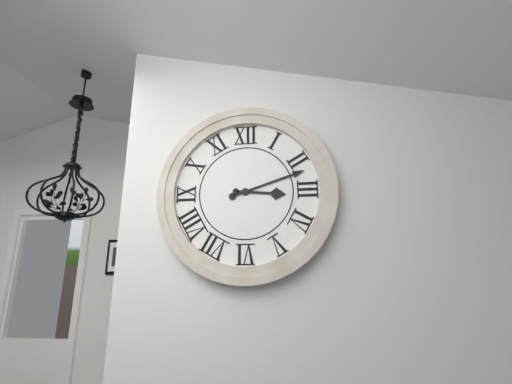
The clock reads **3:12**
